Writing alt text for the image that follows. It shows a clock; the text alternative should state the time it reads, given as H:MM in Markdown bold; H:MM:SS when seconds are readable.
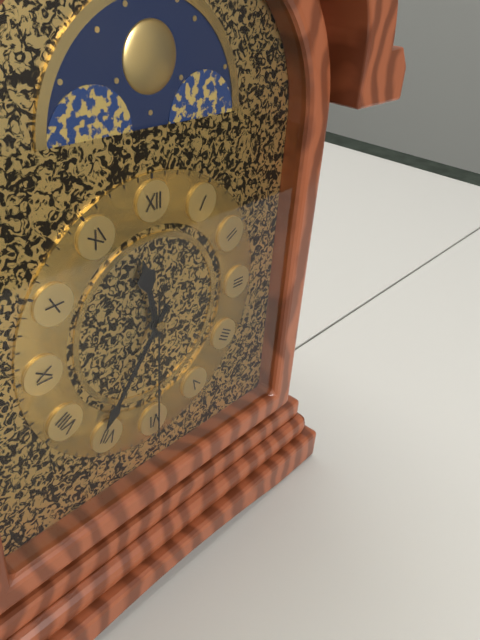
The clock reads **11:36:30**
